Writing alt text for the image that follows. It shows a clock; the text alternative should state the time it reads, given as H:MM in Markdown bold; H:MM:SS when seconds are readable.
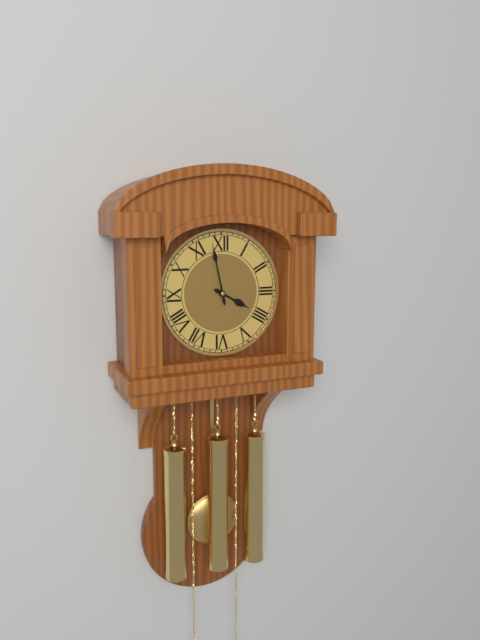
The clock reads **3:58**
